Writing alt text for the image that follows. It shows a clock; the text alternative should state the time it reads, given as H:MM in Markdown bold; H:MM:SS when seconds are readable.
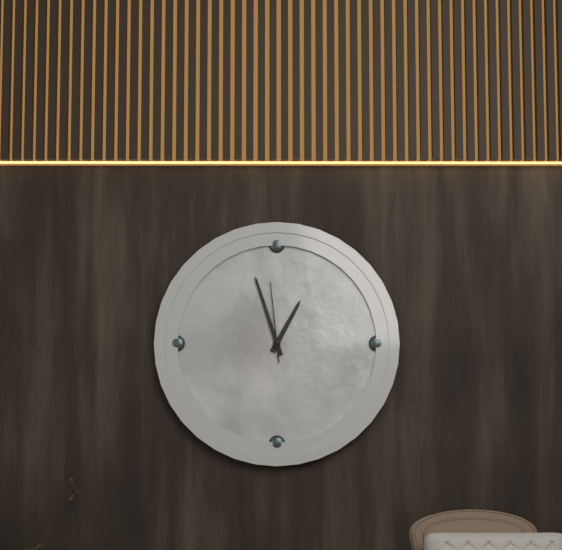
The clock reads **12:57:59**
